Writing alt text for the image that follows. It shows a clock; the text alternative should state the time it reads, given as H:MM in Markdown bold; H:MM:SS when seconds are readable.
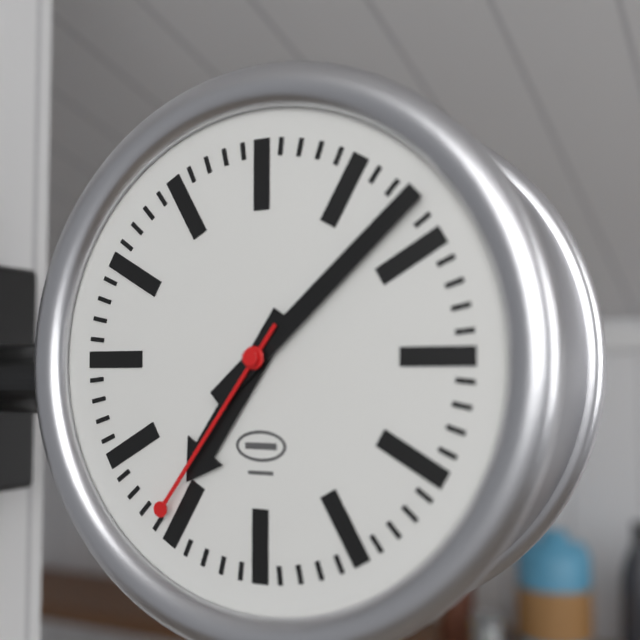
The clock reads **7:08:36**
